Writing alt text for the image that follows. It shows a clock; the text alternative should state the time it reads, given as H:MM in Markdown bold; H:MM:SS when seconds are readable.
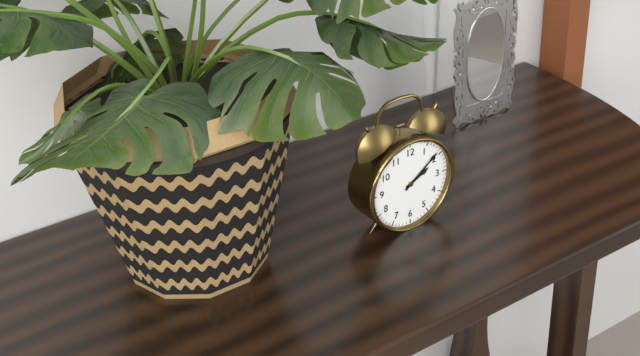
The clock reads **2:09**
